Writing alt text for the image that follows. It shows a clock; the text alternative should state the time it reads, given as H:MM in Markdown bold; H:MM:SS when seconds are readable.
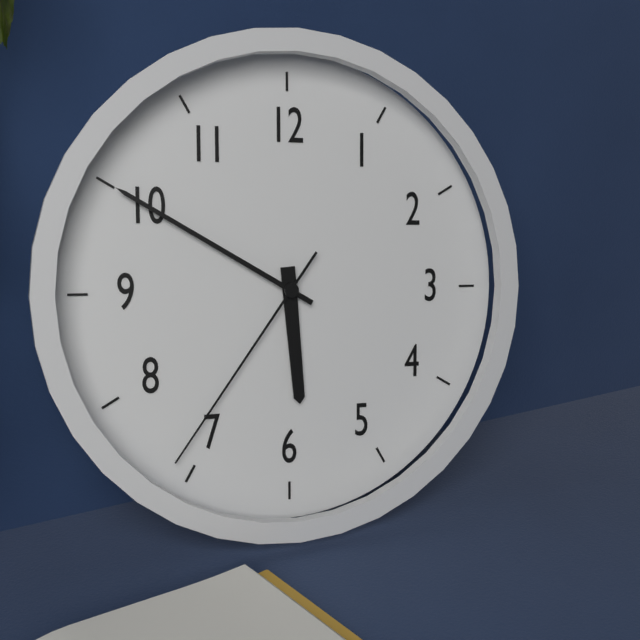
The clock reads **5:50:36**
